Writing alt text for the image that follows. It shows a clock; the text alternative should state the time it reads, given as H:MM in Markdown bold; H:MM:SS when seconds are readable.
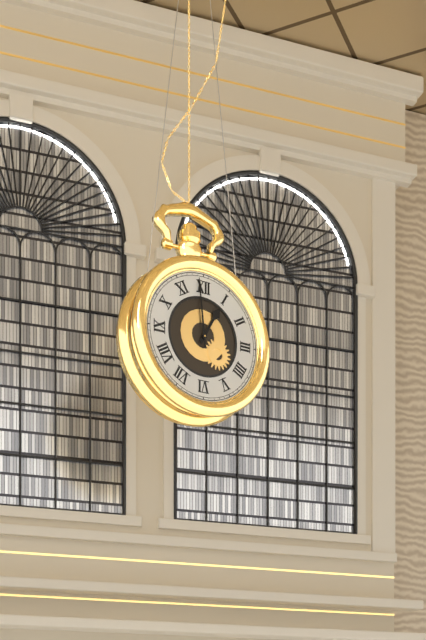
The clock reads **12:59**
